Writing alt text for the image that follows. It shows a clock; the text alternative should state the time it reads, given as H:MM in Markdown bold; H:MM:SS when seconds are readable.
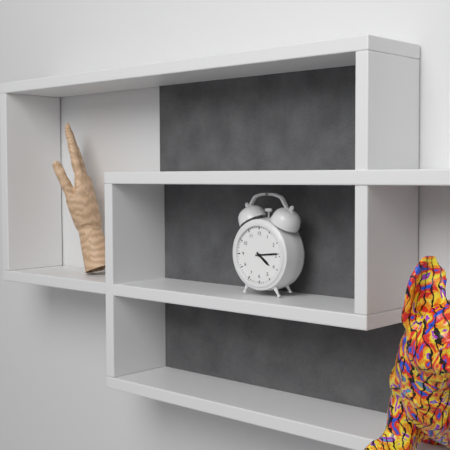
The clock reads **4:14**
